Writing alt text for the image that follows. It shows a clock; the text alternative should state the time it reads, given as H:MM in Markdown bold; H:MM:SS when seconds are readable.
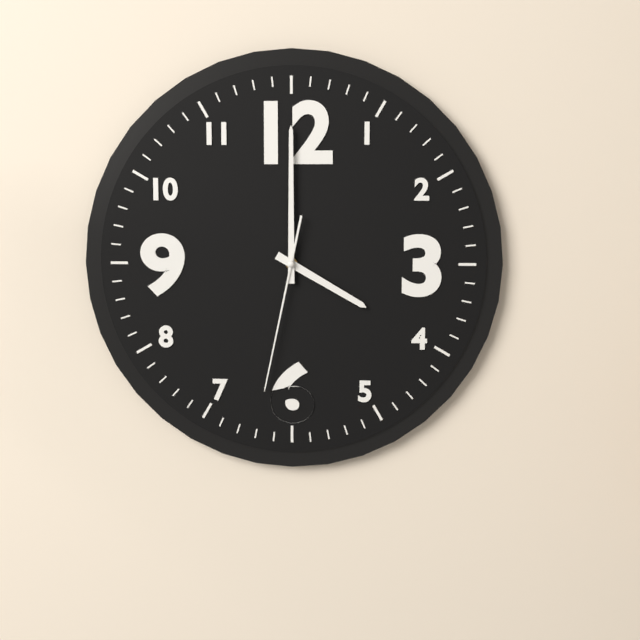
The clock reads **4:00:32**
